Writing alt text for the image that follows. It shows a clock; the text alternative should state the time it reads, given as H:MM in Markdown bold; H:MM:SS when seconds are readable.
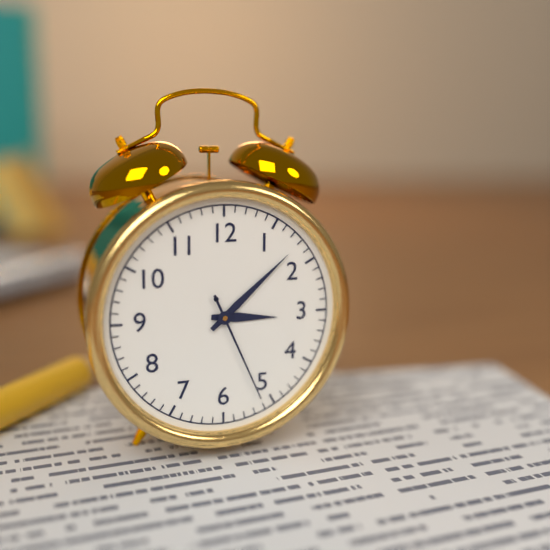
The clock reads **3:08:26**
